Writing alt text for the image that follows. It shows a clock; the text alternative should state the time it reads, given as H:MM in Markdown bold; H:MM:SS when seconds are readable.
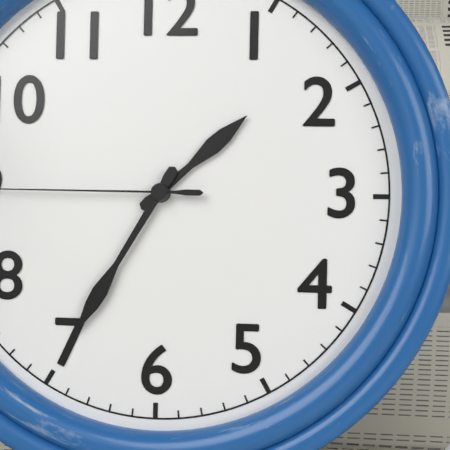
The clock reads **1:35**
